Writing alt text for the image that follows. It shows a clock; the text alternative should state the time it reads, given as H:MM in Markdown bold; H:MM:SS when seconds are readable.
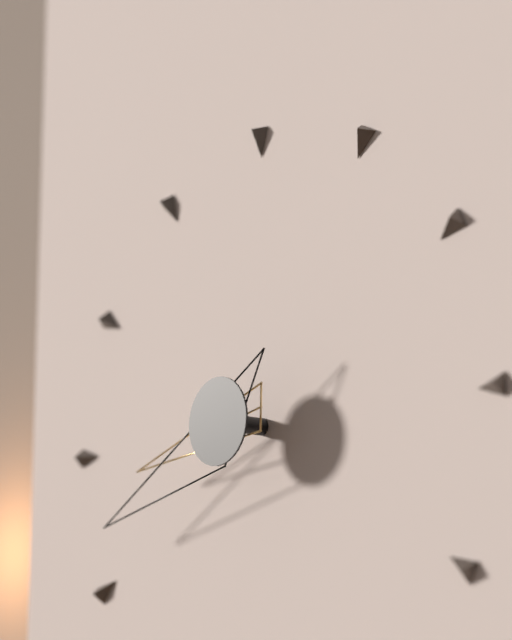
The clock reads **8:41**
